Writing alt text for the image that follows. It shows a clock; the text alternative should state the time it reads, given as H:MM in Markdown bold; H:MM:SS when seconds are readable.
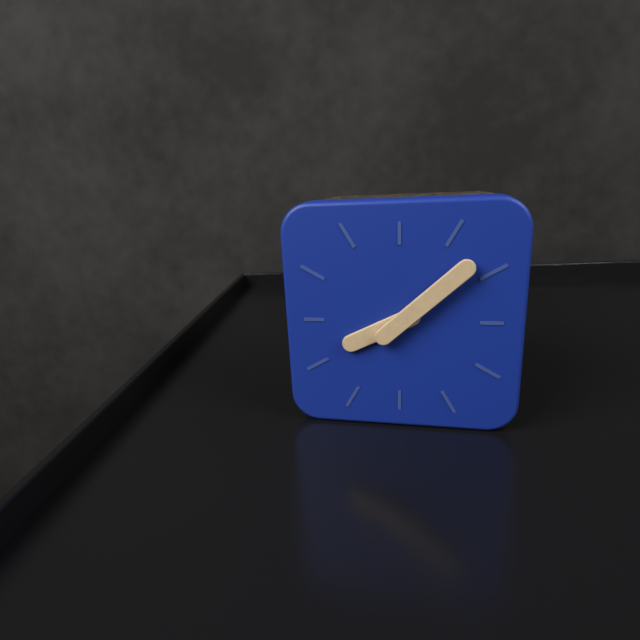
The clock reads **8:08**
